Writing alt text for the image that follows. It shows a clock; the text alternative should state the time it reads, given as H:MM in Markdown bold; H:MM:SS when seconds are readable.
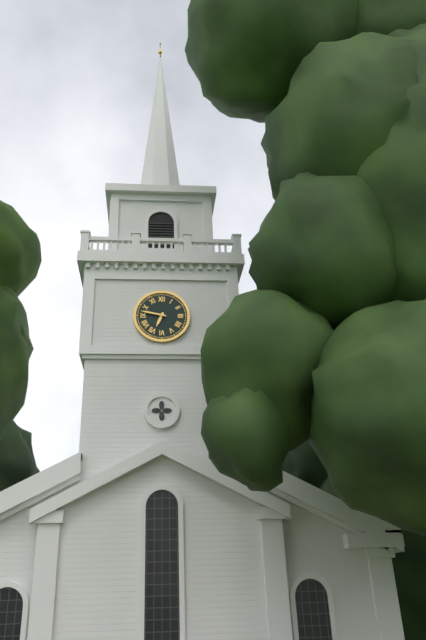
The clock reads **6:47**
